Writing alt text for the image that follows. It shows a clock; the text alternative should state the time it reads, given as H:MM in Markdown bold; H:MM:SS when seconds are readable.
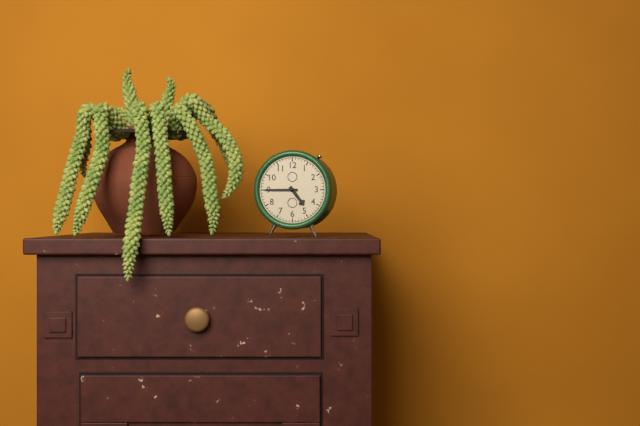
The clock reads **4:45**
